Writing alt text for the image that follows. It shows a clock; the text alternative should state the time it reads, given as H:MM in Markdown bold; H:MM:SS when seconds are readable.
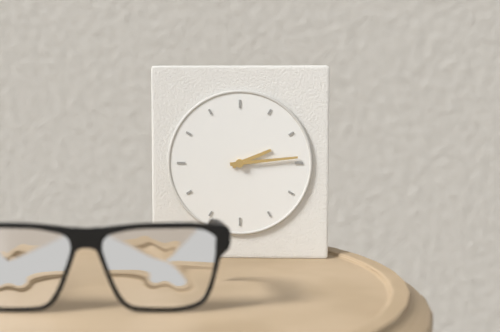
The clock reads **2:14**
